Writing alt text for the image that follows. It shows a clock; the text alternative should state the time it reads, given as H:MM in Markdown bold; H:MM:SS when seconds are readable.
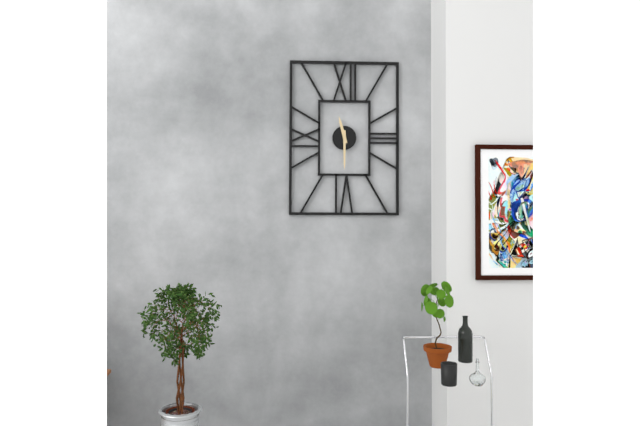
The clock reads **11:30**
